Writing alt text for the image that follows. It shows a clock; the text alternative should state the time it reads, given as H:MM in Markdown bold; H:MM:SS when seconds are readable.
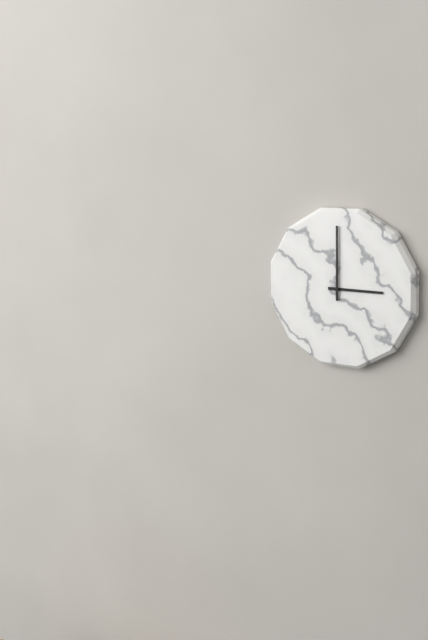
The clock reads **3:00**
